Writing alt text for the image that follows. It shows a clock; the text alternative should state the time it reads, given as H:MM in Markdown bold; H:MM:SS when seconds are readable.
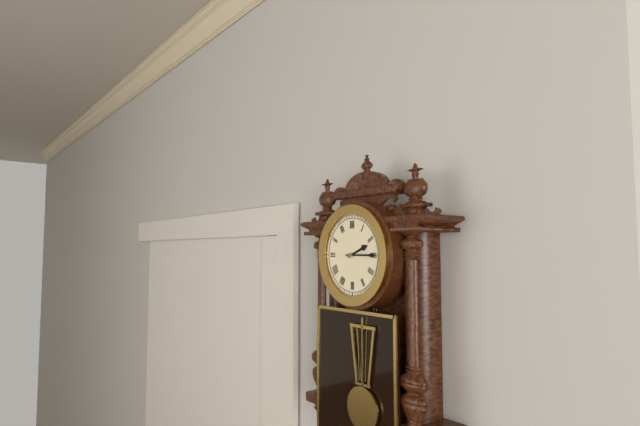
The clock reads **2:15**
